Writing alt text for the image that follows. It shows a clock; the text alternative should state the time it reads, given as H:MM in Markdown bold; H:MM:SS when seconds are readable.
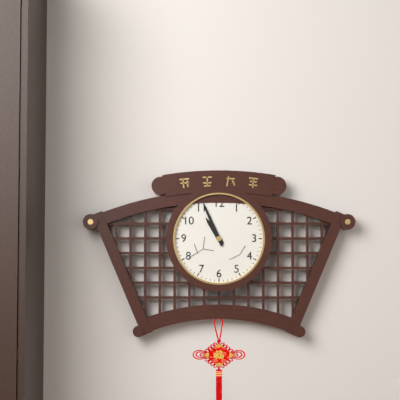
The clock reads **10:56**
